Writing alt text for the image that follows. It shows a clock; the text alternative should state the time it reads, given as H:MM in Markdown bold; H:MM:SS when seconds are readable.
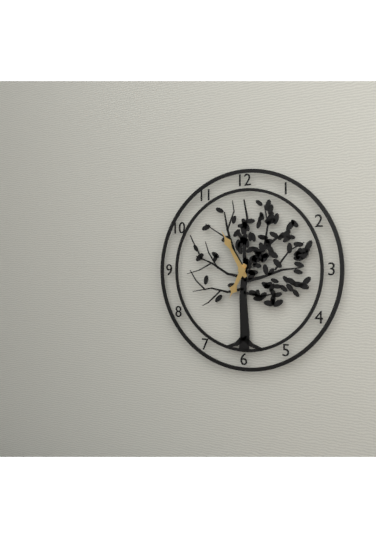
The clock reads **6:55**
